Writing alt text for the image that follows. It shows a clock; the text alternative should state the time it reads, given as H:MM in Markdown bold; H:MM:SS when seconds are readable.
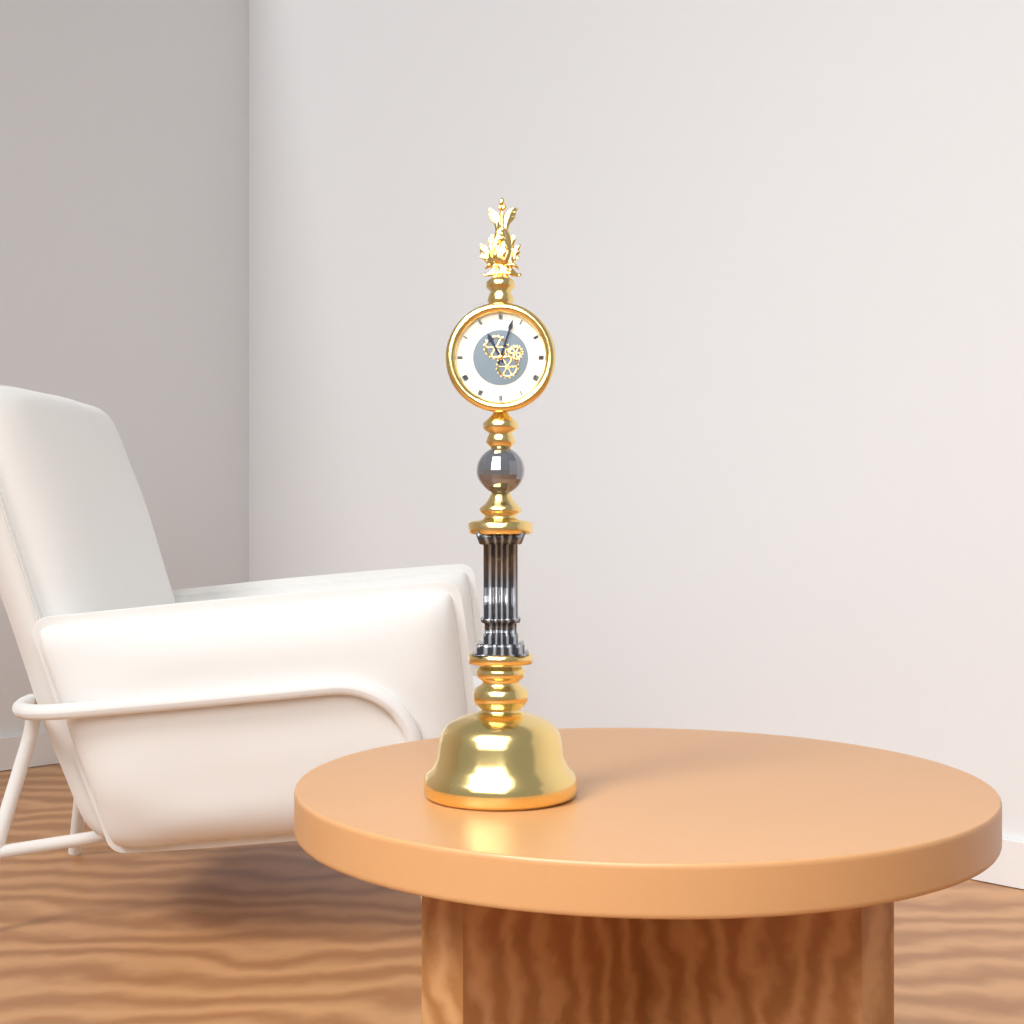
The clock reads **11:03**
